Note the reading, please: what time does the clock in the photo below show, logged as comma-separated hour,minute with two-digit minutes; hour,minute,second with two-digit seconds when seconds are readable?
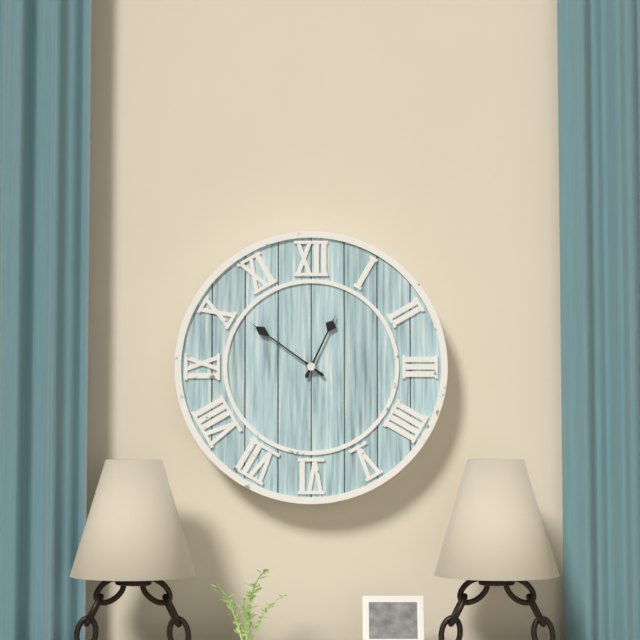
12,51
